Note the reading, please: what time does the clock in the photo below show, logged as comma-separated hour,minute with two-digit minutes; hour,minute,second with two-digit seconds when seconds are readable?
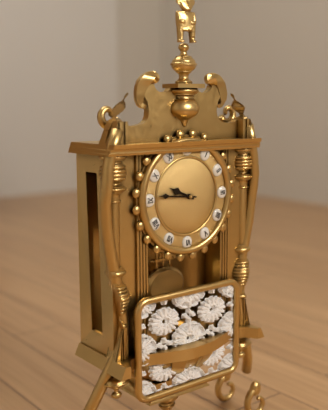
9,46
